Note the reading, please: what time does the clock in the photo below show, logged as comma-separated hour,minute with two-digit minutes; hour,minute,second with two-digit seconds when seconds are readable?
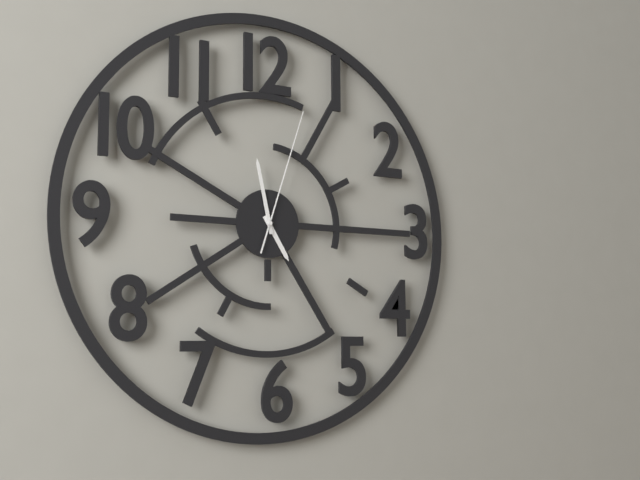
4,58,03
